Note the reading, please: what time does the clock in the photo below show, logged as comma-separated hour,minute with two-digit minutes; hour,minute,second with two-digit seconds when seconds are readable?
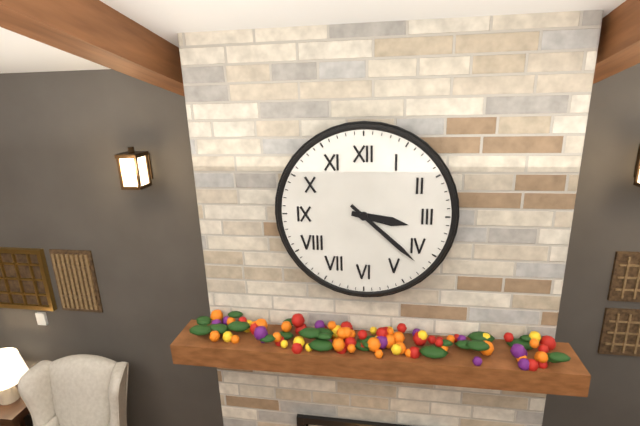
3,22
